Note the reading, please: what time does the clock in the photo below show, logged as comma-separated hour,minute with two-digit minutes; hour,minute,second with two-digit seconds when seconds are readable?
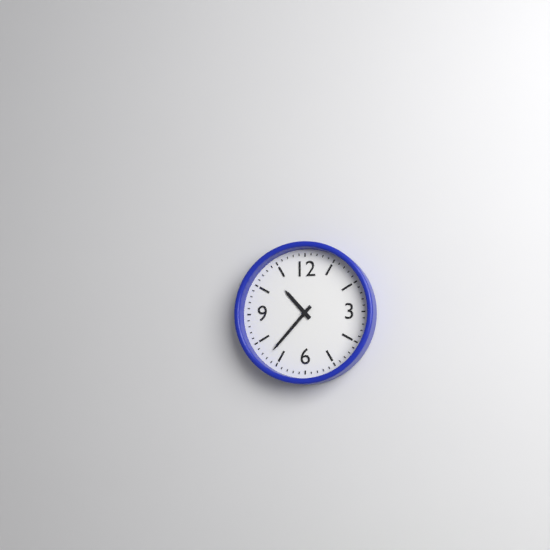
10,37
